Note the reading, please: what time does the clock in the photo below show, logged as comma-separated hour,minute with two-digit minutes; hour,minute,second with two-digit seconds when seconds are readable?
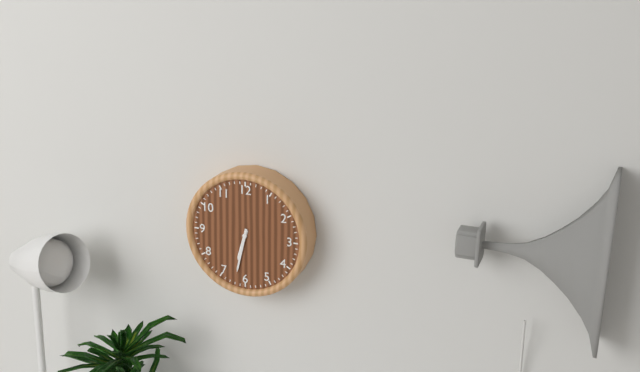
6,32
